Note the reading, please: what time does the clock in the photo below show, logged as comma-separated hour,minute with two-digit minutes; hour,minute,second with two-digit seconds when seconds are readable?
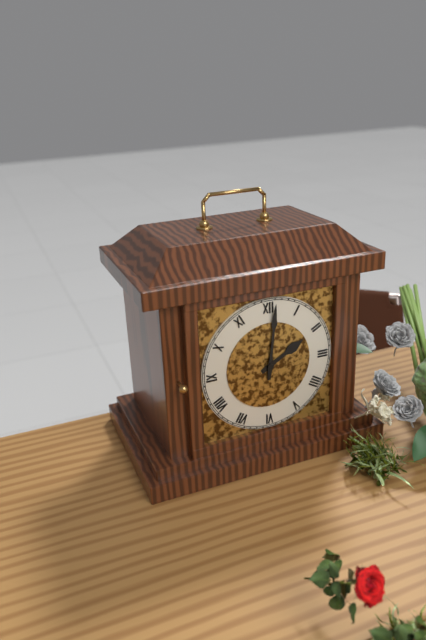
2,01
